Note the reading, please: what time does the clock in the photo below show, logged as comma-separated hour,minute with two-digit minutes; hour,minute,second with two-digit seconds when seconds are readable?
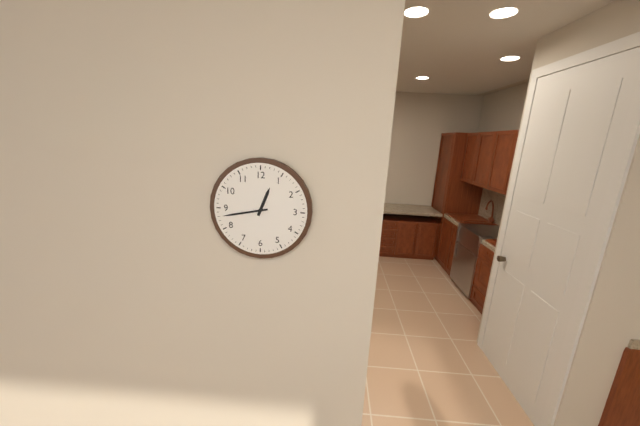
12,43
